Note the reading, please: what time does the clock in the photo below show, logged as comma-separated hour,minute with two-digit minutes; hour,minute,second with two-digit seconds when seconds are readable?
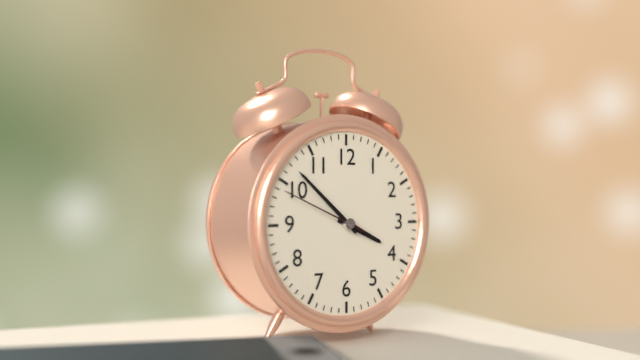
3,52,49
